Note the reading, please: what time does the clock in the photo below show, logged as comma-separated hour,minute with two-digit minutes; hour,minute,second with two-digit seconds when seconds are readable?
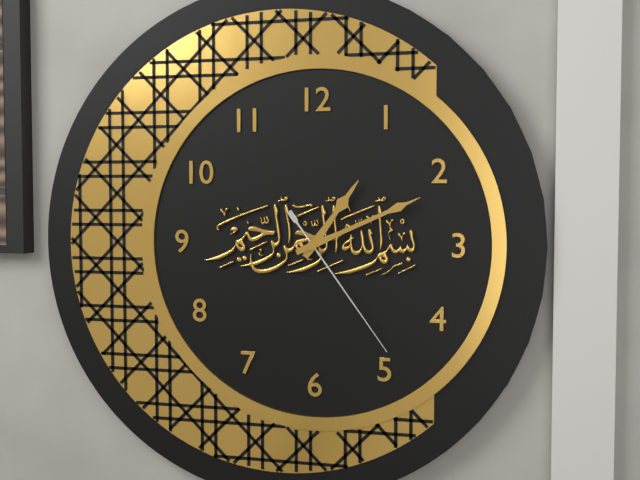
1,11,24
